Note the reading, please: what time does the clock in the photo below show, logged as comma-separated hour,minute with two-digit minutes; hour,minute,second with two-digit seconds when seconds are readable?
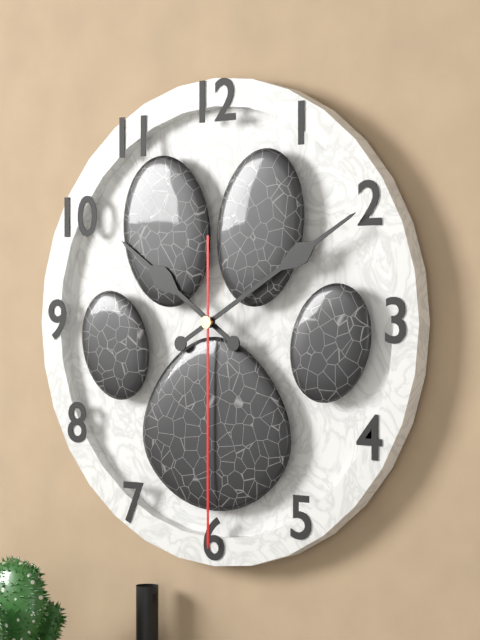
10,10,30
